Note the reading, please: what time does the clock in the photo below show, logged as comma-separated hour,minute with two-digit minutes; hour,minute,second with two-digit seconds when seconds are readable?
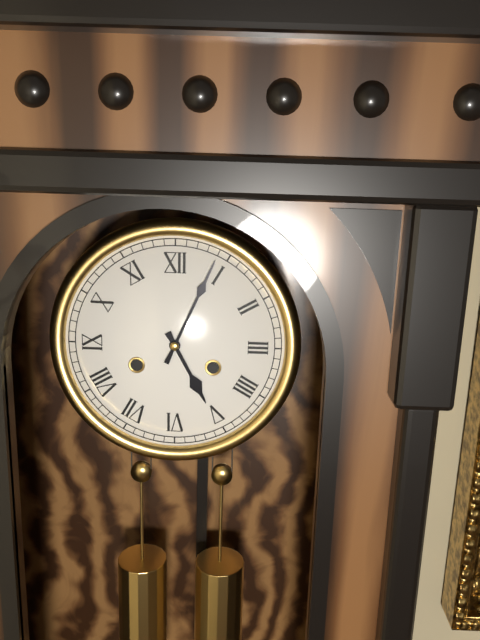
5,04
